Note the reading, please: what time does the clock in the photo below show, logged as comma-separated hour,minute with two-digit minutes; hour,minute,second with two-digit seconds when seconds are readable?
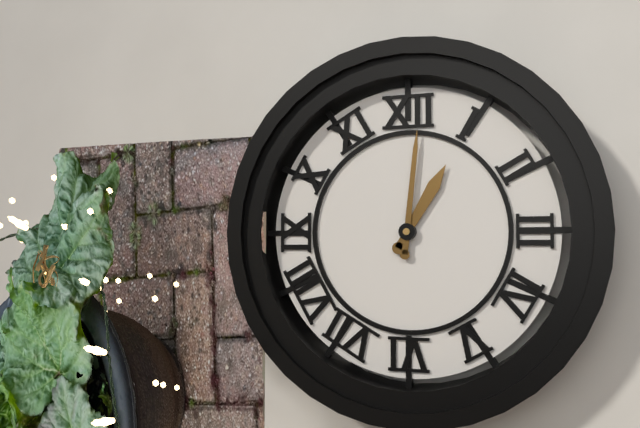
1,01
